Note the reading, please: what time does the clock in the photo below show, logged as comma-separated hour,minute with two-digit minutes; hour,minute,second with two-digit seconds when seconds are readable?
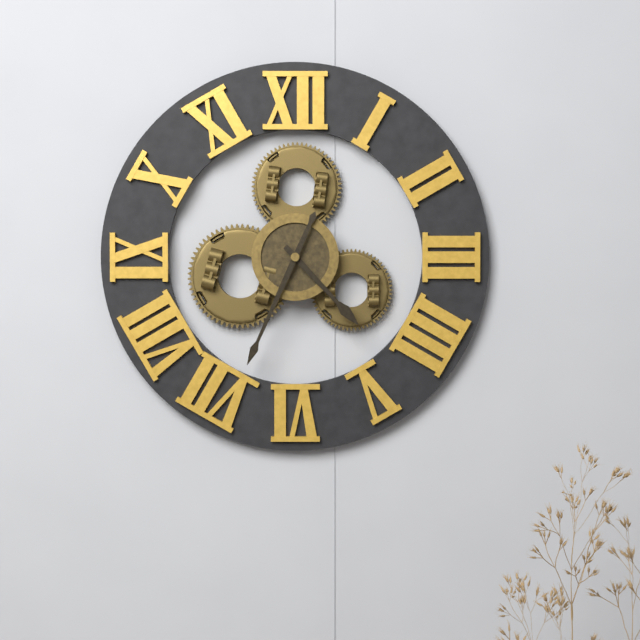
4,34
